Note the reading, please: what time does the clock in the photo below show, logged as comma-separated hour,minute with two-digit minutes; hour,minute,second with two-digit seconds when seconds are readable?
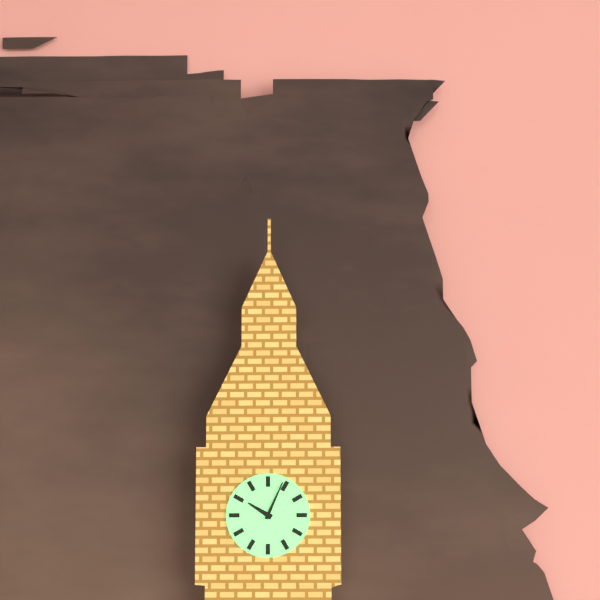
10,04
